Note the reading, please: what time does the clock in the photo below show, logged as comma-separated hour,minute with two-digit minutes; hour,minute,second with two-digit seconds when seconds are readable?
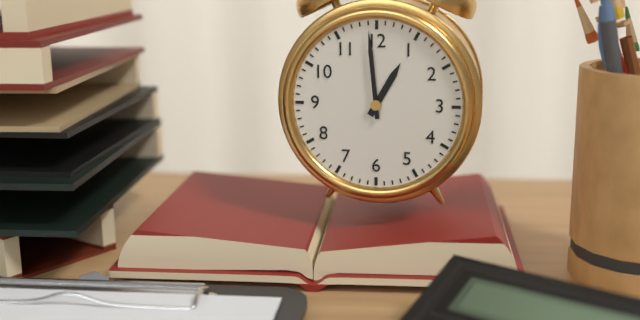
12,59
